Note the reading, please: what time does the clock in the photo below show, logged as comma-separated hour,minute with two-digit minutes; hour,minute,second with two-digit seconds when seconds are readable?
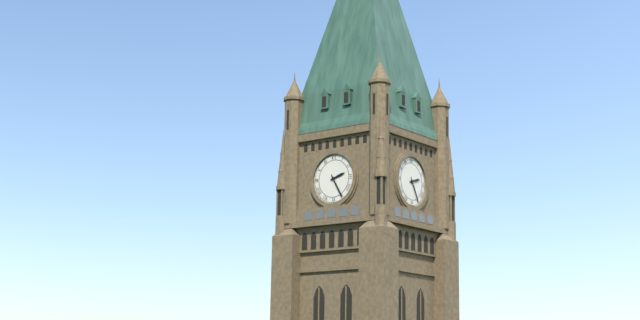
2,25
